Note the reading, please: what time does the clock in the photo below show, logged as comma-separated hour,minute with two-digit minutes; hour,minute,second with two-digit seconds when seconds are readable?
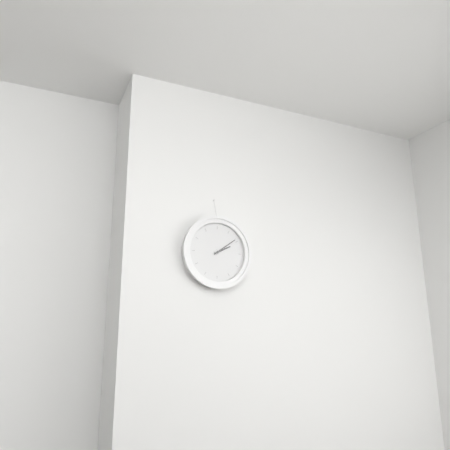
2,09
